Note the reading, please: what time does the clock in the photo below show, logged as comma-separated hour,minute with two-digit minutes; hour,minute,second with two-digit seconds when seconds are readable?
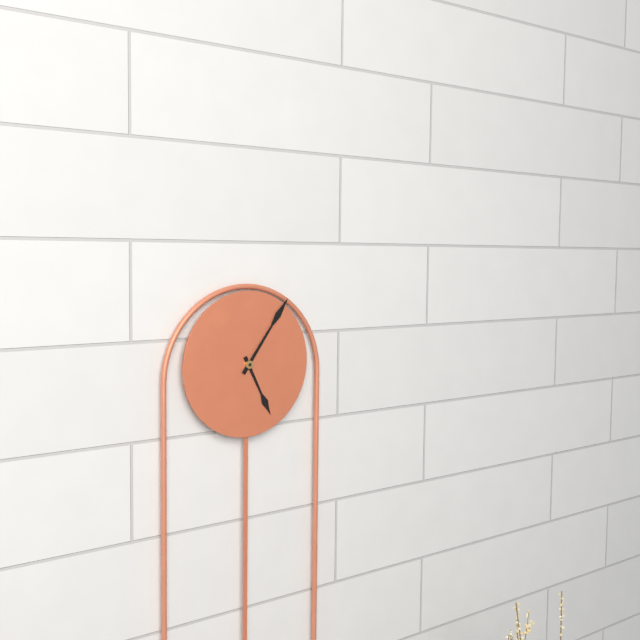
5,06
